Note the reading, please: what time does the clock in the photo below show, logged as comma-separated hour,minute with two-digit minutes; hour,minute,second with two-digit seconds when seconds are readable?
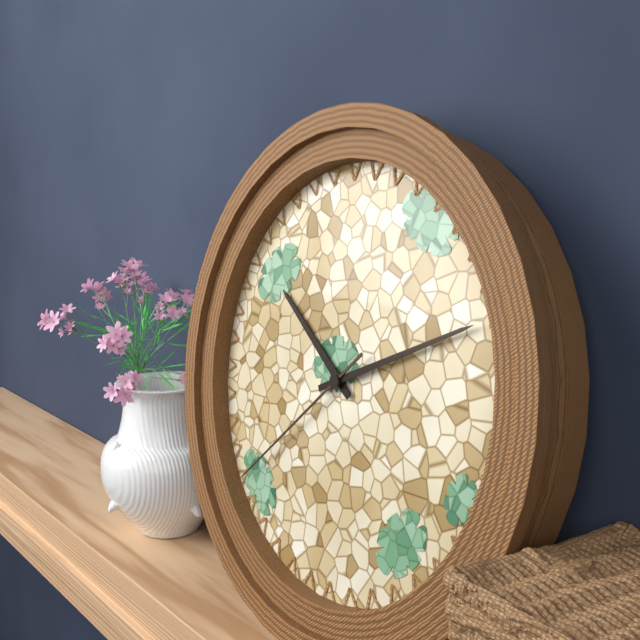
10,11,38
